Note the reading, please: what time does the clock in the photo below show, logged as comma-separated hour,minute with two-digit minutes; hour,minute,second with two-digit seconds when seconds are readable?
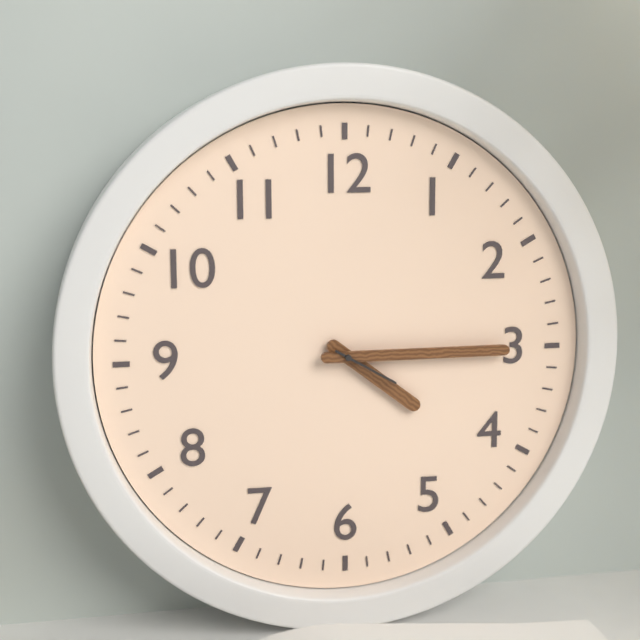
4,15,20
